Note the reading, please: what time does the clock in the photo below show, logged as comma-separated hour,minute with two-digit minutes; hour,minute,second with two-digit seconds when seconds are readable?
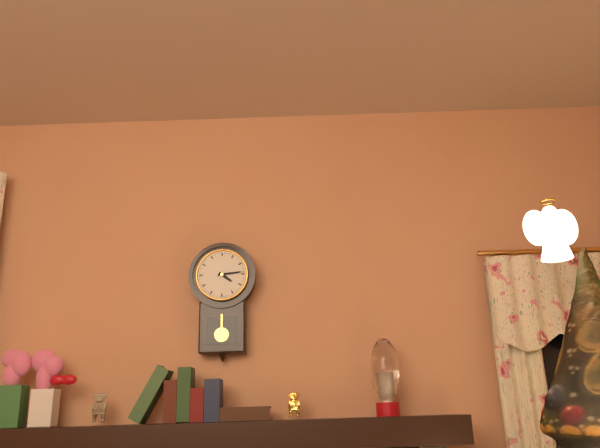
4,14
